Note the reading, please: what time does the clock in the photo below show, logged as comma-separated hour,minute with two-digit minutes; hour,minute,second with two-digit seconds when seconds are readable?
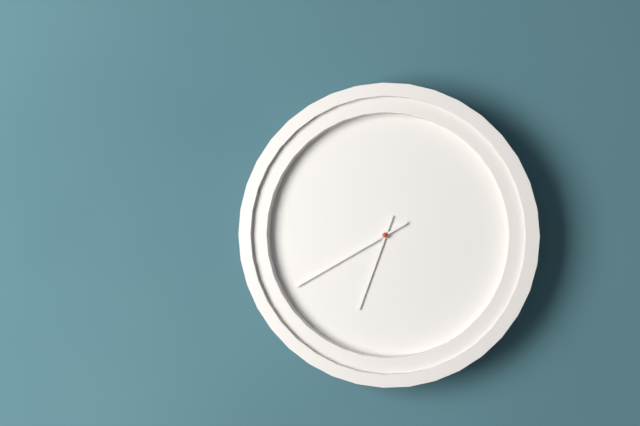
6,40
